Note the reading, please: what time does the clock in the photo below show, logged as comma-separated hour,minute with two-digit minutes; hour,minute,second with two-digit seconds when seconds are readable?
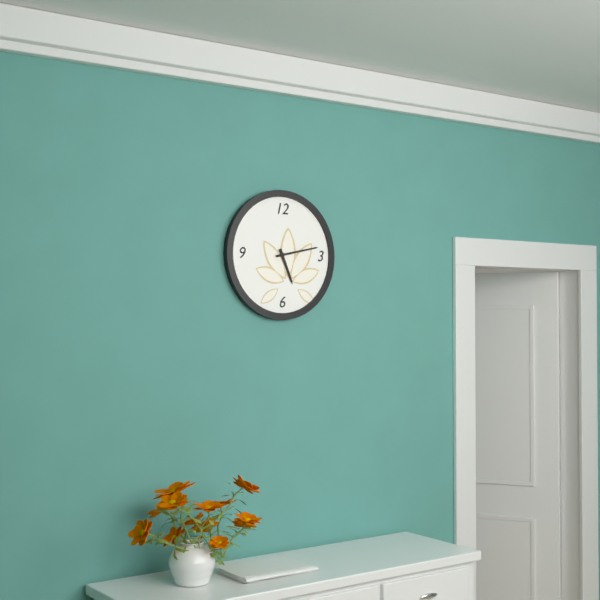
5,13
